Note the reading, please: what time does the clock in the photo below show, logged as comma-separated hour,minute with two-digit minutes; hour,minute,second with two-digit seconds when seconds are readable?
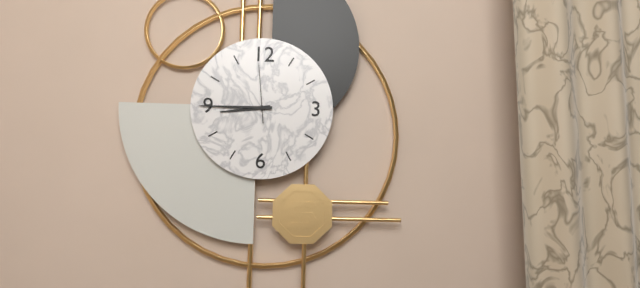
8,45,59
